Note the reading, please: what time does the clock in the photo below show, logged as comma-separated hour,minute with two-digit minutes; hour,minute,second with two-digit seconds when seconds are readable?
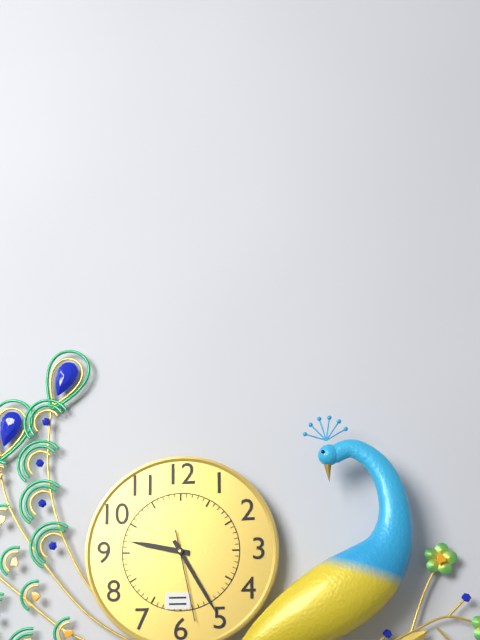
9,25,28
